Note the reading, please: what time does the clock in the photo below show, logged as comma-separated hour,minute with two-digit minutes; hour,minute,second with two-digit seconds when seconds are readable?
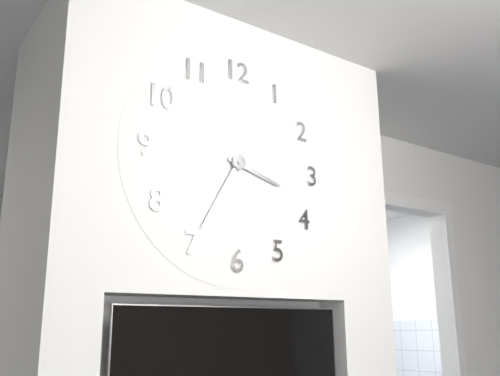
3,35
